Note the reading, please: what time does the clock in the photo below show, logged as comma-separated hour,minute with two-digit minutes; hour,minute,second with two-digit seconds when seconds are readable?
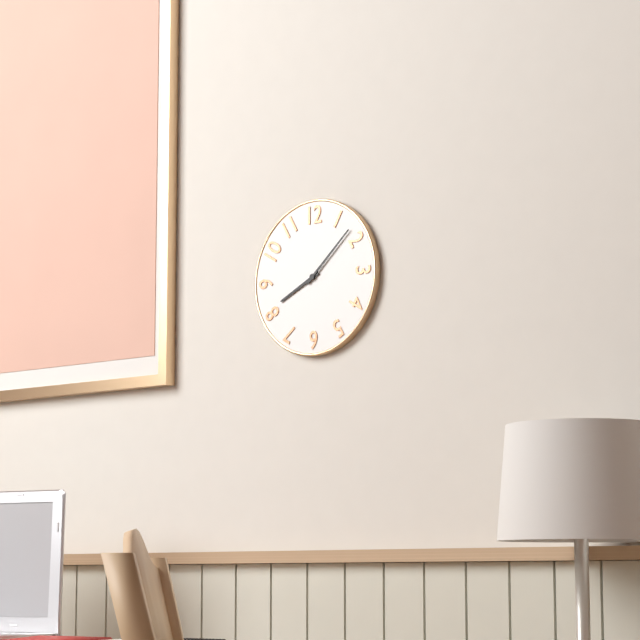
8,08
